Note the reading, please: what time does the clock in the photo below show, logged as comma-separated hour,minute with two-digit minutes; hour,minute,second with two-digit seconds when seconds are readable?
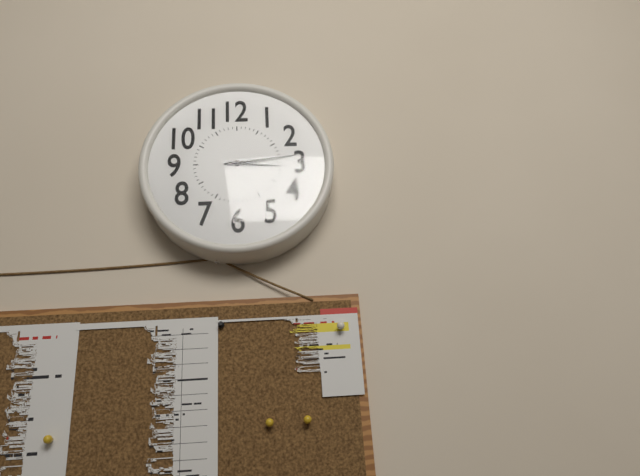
3,14
